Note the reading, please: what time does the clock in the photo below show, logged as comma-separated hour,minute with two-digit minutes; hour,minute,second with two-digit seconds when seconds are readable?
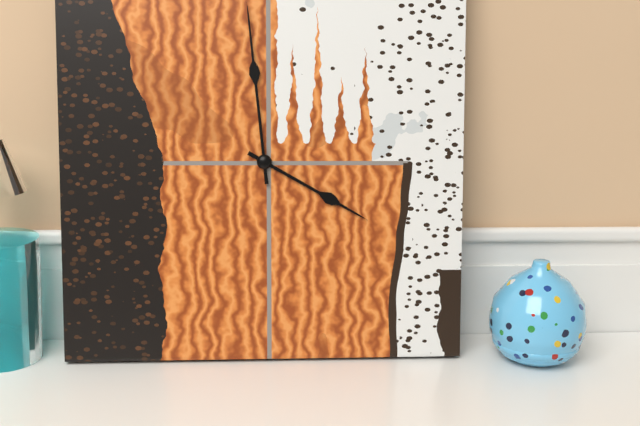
3,59
